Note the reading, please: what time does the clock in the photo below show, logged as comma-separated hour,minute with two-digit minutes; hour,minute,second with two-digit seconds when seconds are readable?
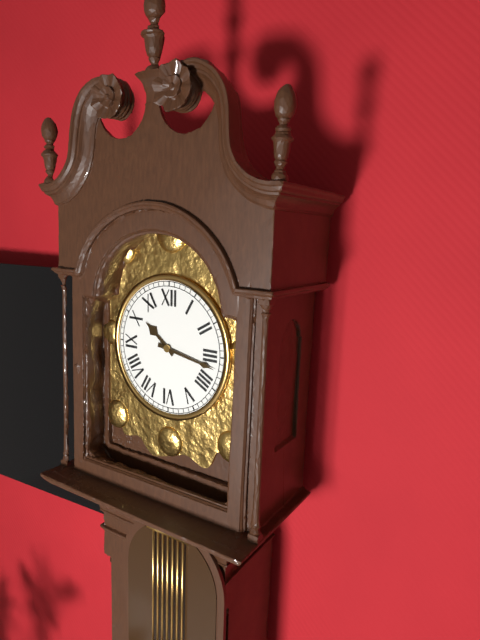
10,17
